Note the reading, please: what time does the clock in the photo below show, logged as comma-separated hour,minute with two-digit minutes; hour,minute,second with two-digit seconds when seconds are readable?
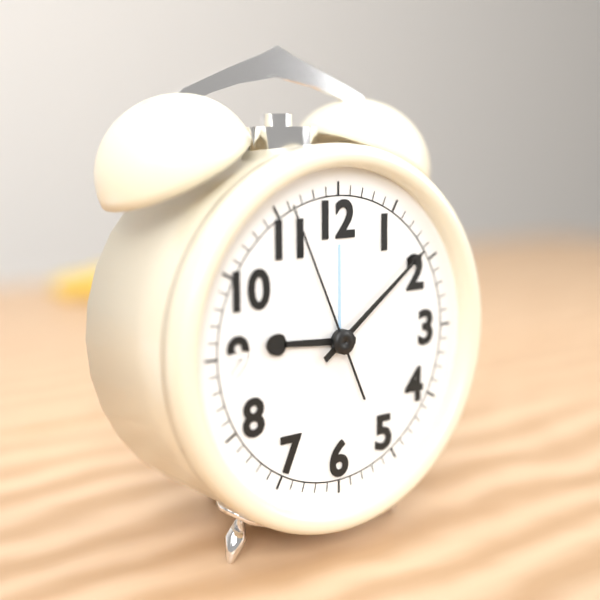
9,09,56
